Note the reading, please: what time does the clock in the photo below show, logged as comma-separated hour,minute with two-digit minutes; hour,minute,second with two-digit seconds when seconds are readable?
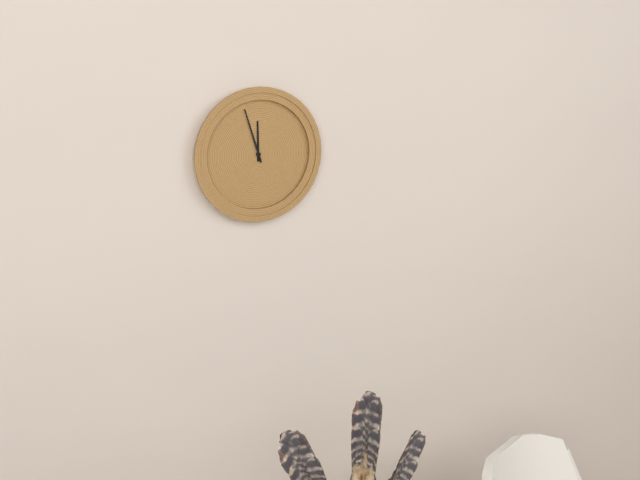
11,57
